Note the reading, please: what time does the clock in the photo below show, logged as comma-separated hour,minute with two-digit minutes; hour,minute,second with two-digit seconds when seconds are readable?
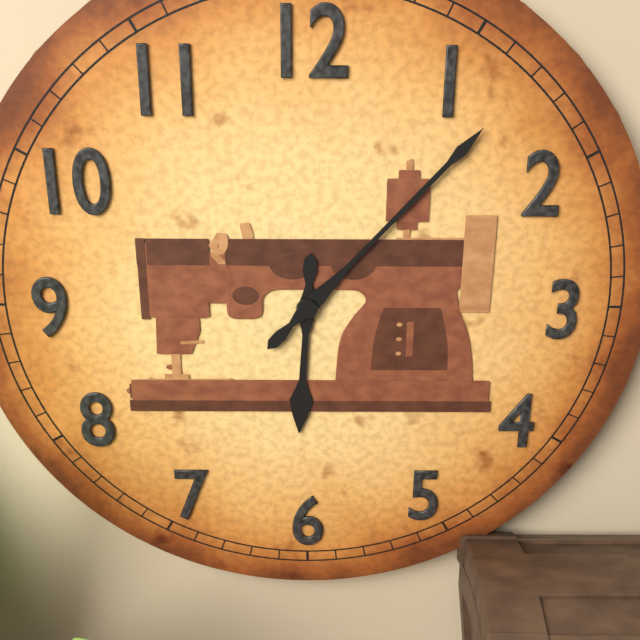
6,07
